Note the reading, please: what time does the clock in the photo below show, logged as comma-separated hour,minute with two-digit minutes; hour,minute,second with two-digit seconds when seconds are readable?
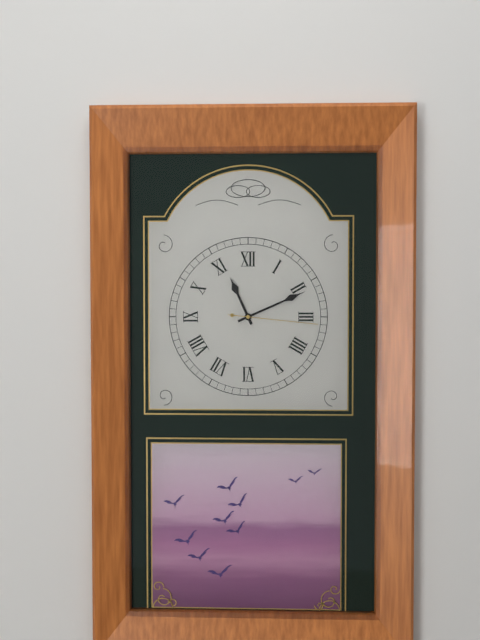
11,11,16
